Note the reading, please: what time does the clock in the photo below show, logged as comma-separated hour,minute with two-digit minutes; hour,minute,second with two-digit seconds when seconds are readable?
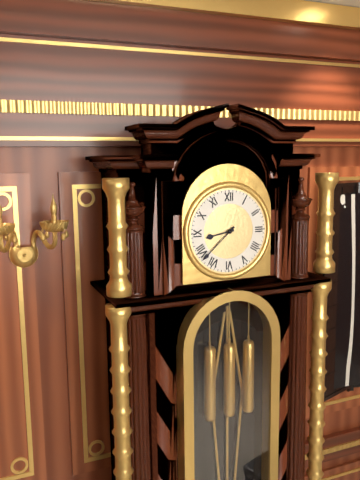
8,38
